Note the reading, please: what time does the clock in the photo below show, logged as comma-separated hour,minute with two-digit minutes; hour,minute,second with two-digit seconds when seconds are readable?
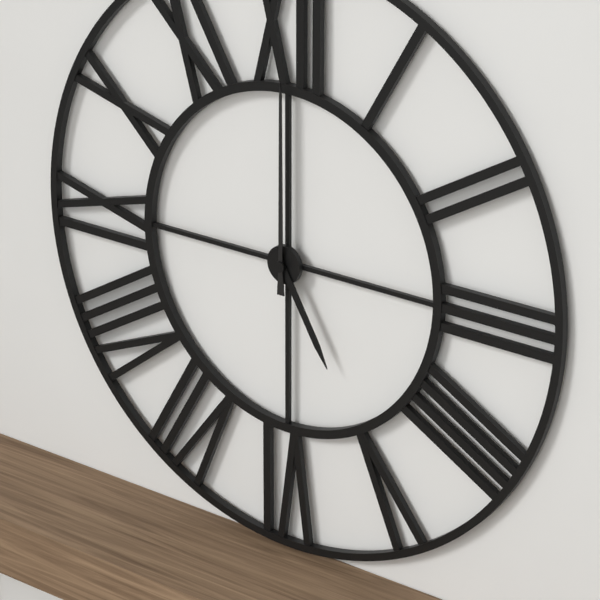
5,00
